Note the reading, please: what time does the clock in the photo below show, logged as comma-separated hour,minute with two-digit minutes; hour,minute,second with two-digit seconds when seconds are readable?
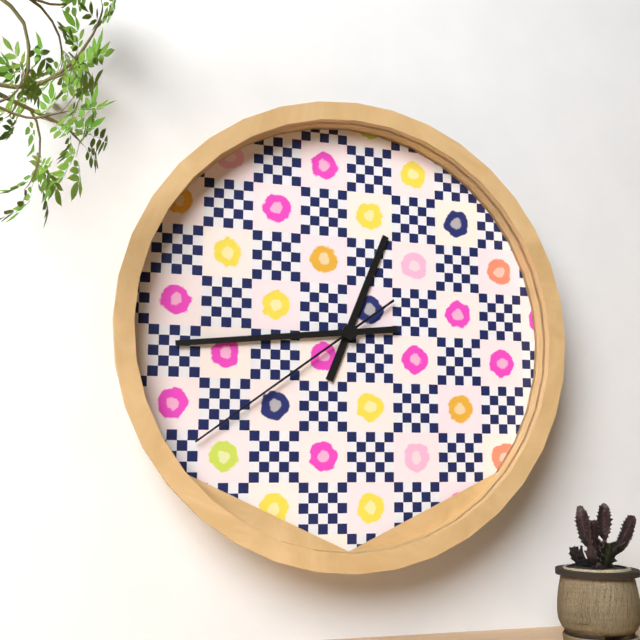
12,44,39
